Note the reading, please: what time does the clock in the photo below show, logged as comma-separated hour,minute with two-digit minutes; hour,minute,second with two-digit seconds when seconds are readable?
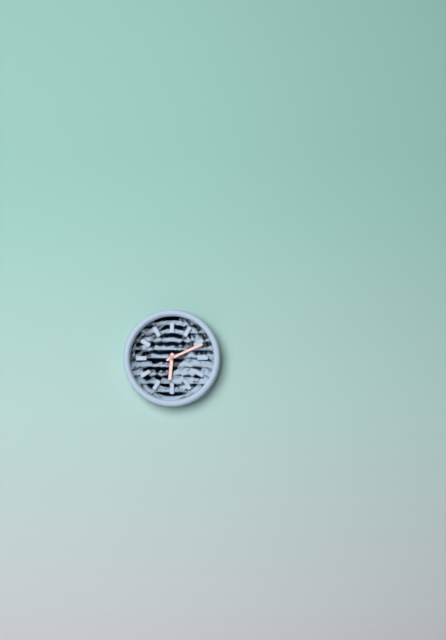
6,11
